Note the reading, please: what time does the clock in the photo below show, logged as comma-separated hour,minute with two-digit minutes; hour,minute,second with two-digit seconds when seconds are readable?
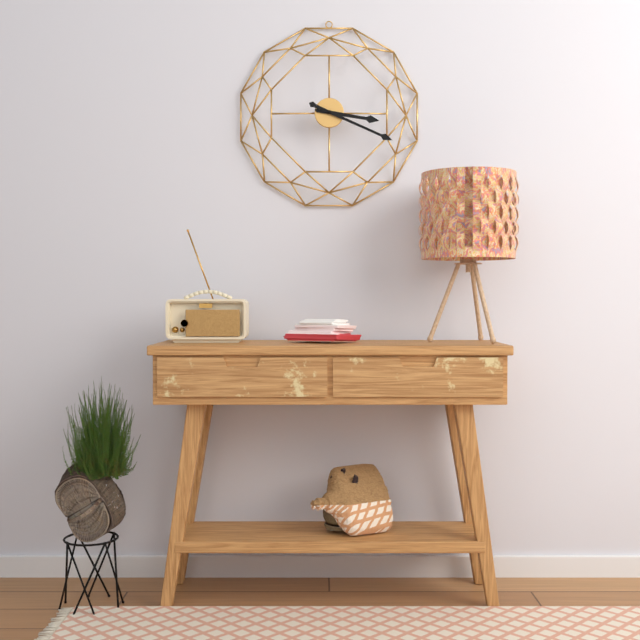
3,19
